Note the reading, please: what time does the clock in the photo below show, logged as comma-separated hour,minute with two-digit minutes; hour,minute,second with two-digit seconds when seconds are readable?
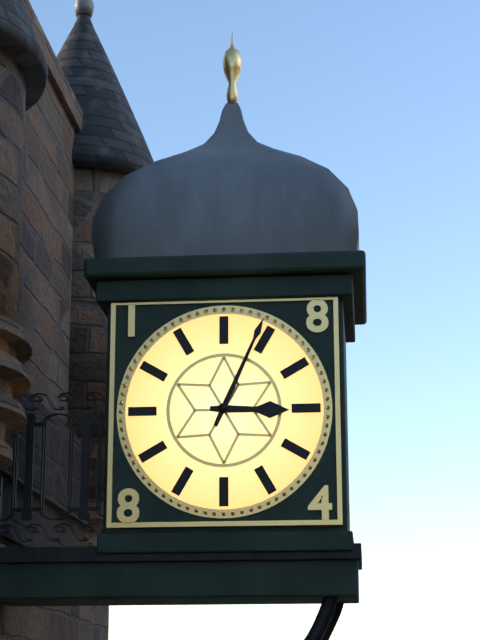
3,04
